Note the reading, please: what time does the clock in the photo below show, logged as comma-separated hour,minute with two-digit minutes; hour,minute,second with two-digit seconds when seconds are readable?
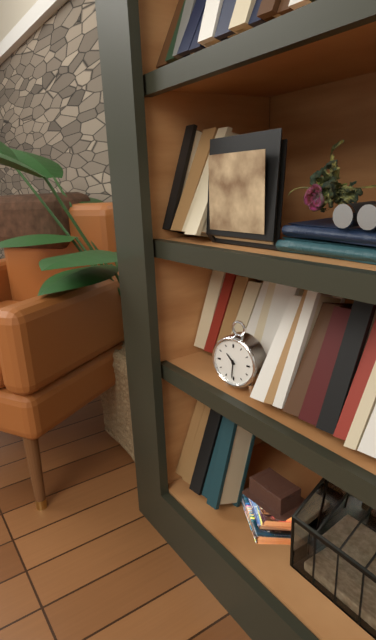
10,31
